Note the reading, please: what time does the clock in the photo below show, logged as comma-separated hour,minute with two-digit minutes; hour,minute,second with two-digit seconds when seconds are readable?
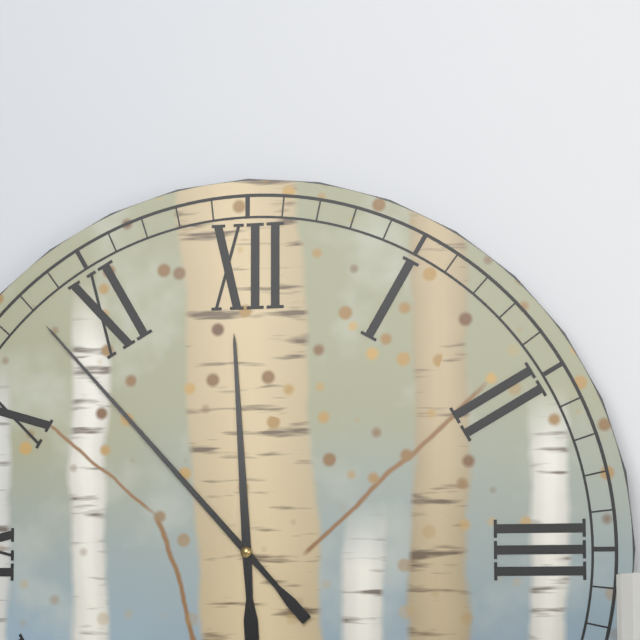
11,53
